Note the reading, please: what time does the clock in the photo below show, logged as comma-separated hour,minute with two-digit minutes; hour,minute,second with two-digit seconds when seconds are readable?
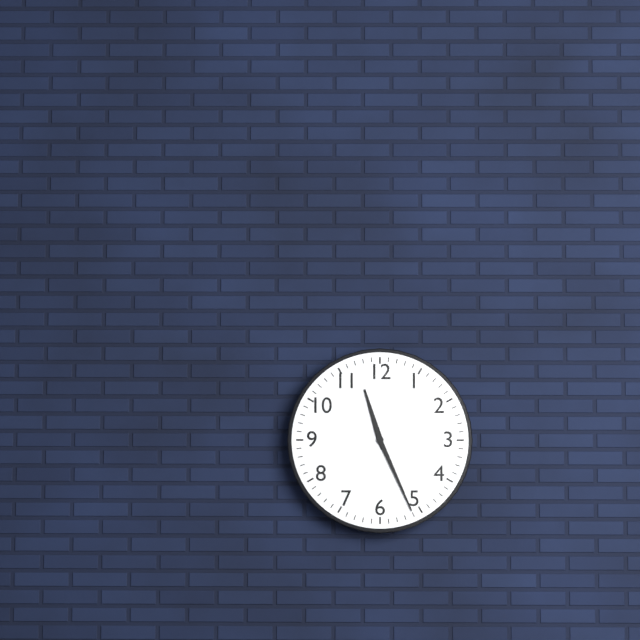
11,26
